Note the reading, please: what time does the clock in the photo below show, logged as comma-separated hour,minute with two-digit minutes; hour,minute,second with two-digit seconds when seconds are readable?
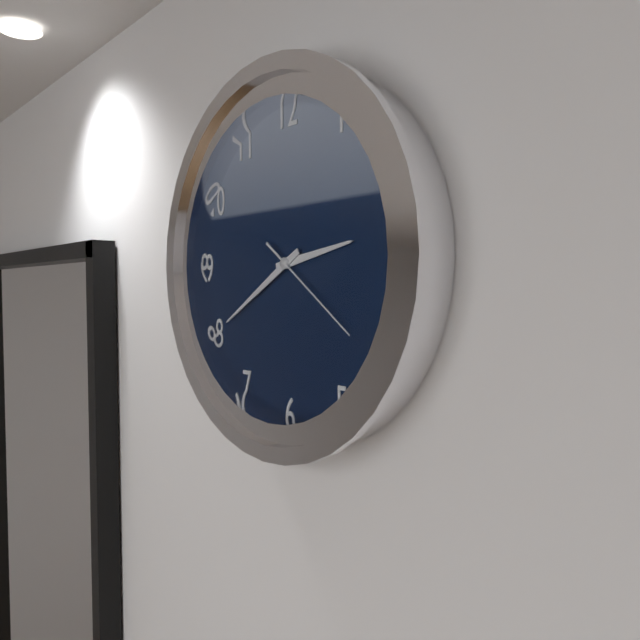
2,40,21
